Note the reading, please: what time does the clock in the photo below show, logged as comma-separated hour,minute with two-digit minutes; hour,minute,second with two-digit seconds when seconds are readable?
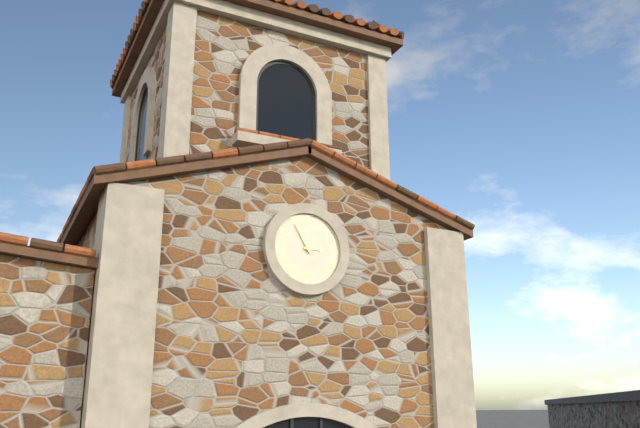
2,55
